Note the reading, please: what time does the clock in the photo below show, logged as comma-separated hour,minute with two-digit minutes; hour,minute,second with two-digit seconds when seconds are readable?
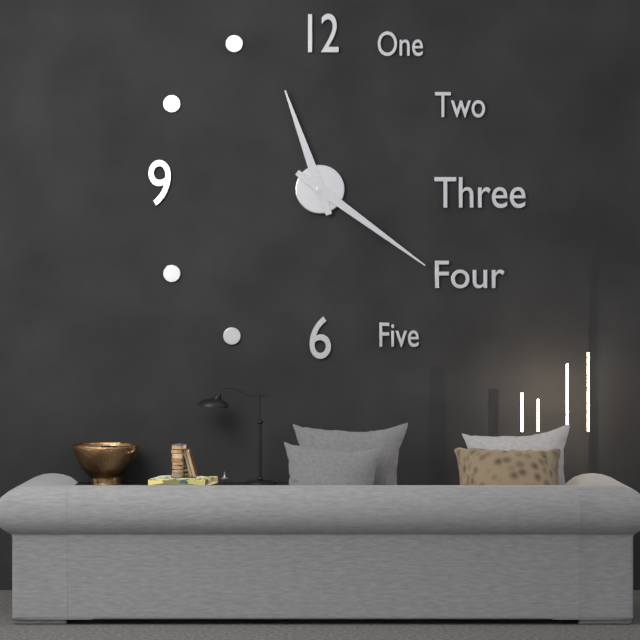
11,21
